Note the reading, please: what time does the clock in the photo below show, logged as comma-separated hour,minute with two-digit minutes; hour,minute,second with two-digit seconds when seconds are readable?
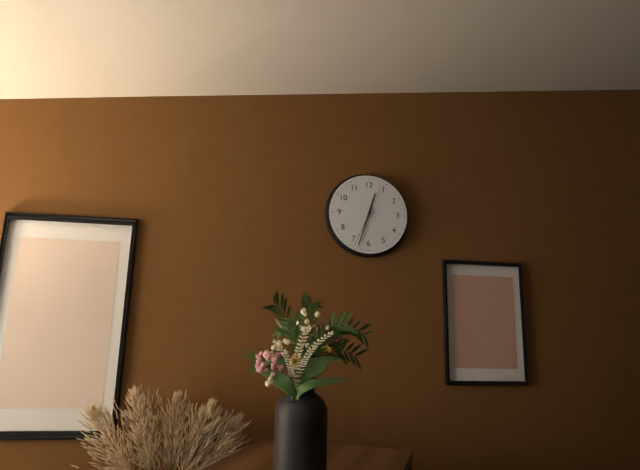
12,33
